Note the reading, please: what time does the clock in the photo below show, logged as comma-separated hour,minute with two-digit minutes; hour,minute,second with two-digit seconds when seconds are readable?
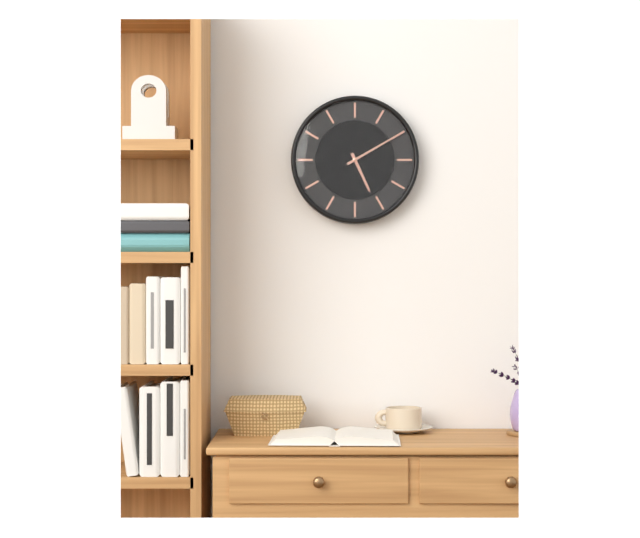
5,10
